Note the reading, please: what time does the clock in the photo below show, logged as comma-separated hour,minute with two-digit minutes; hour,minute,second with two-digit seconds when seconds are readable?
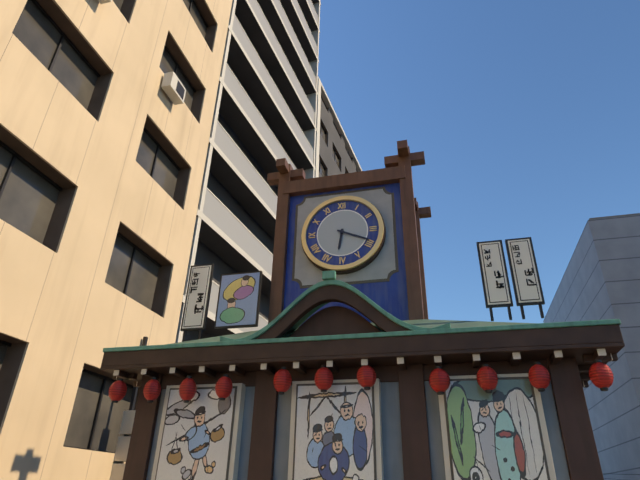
6,19
